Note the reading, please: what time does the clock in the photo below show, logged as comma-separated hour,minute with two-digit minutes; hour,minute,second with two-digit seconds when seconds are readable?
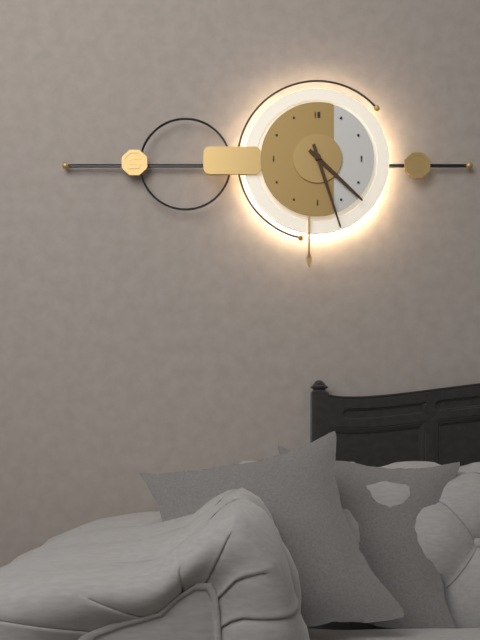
4,27
